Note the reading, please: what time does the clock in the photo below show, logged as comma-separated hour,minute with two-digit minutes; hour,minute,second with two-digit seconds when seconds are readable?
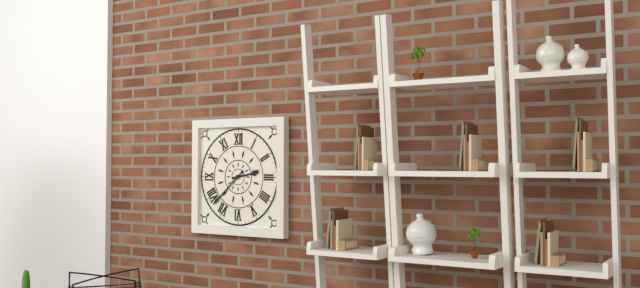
2,38
